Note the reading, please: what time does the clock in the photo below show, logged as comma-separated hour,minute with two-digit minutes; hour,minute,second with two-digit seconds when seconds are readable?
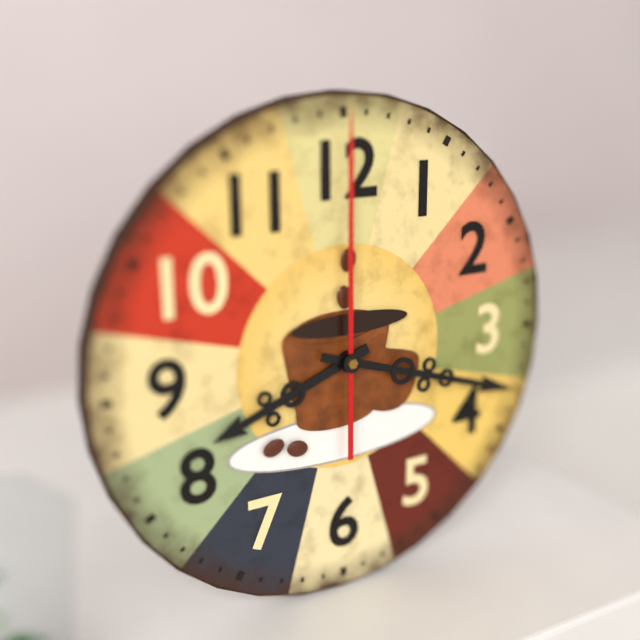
8,18,00
